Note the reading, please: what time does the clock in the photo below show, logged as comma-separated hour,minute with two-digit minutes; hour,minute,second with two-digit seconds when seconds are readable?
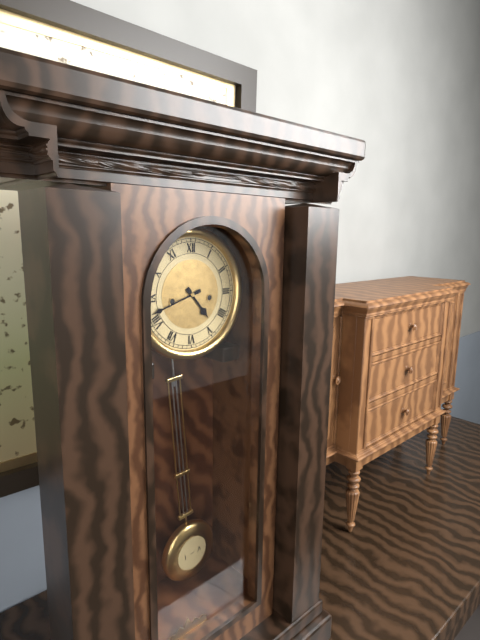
4,42
